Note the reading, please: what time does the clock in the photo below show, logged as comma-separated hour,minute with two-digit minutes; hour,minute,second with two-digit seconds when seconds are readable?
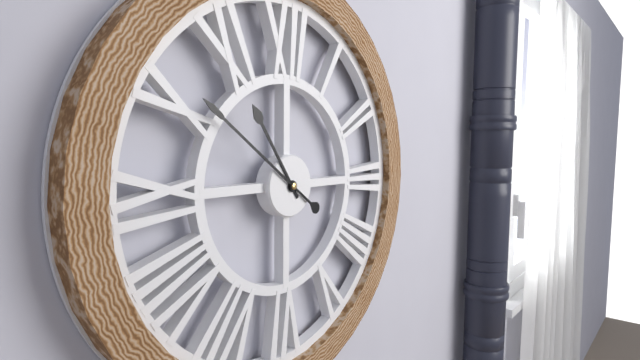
10,51
